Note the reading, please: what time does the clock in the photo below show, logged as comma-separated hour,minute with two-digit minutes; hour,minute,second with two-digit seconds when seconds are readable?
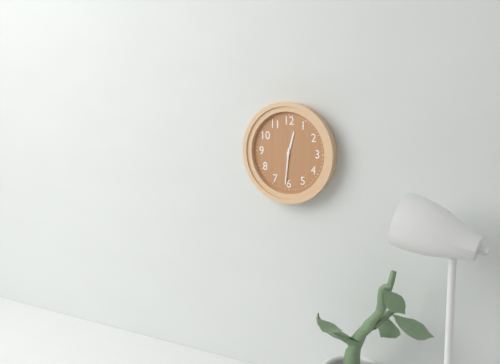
12,31
